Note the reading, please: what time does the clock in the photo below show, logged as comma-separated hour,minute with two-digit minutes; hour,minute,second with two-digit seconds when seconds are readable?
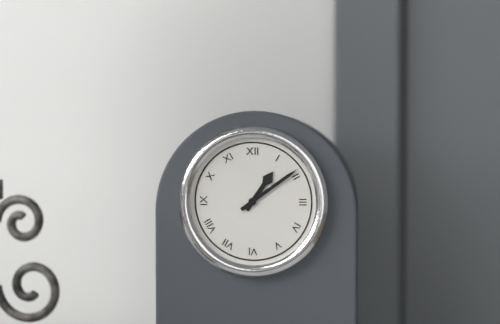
1,09
